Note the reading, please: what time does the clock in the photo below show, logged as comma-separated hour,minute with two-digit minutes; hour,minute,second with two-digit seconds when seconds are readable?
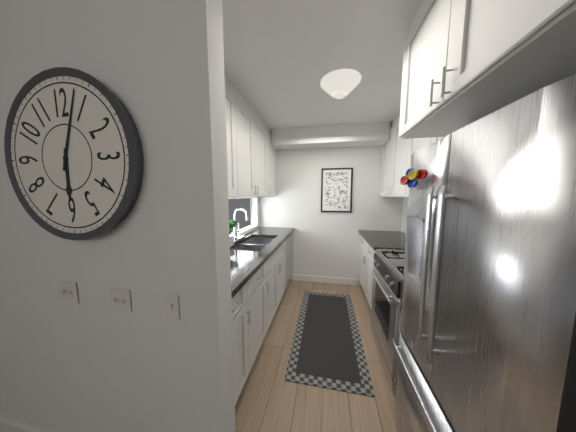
6,03
